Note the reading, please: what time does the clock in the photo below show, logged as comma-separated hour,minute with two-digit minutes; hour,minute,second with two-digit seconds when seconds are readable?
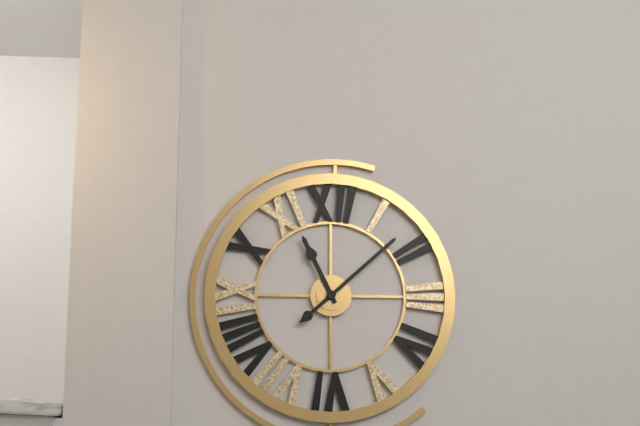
11,08
